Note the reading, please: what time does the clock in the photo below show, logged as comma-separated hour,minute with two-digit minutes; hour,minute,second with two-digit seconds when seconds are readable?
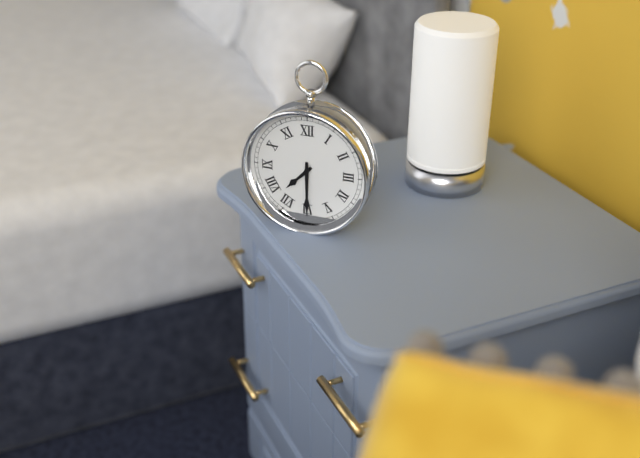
7,30
